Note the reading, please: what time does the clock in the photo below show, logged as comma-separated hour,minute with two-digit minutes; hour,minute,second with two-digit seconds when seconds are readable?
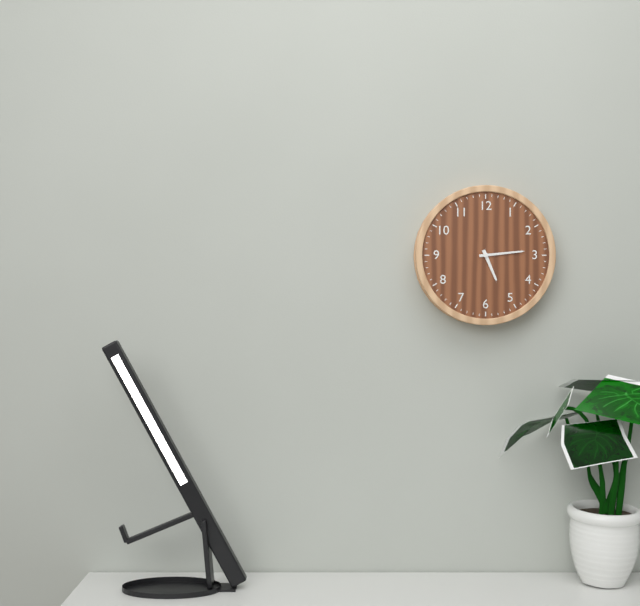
5,14
